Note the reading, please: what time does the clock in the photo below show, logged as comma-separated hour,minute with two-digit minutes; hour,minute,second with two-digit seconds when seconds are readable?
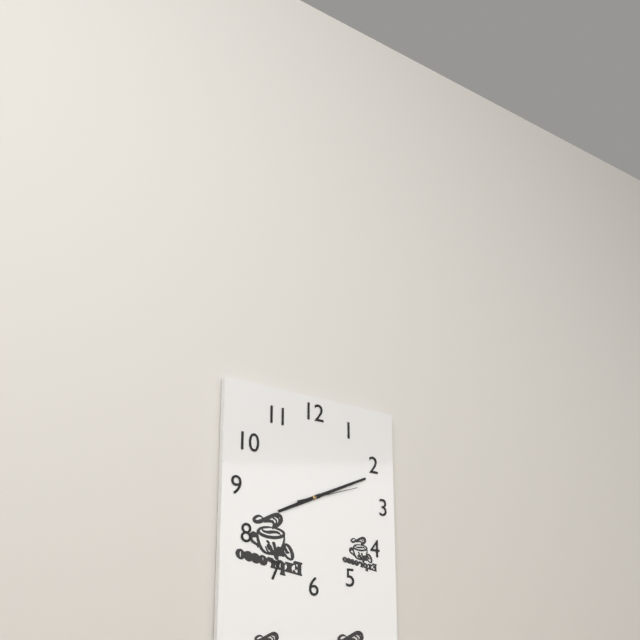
8,11,12
